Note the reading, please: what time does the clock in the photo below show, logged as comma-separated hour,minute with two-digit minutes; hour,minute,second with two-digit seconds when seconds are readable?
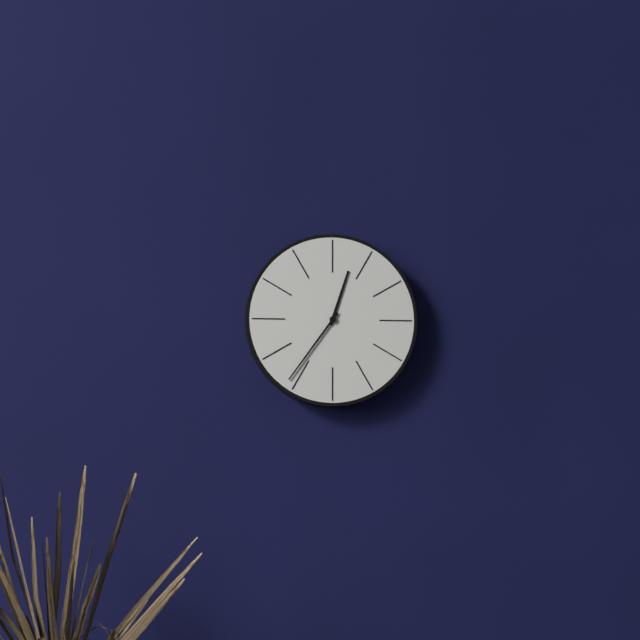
12,36
